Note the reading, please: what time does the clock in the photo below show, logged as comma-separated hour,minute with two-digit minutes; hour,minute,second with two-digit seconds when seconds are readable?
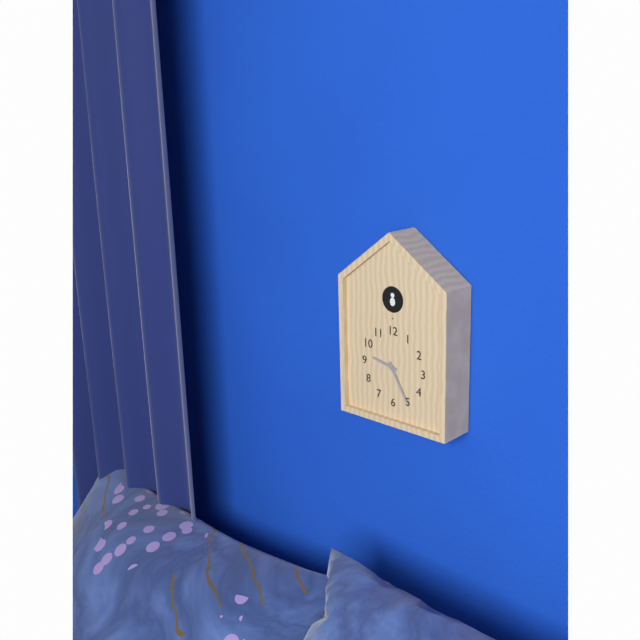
9,25
